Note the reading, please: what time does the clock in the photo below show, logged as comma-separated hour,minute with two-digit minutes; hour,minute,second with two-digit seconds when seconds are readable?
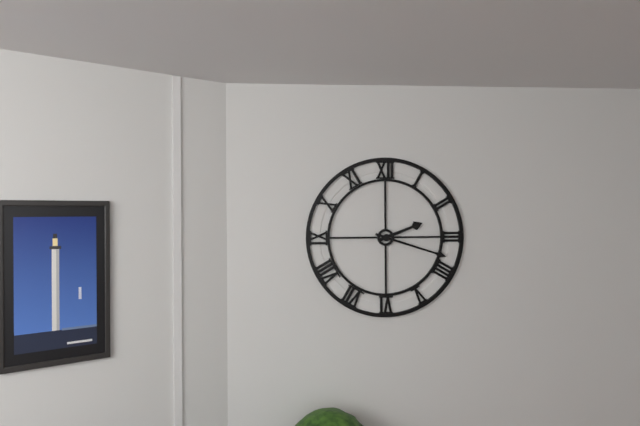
2,18
